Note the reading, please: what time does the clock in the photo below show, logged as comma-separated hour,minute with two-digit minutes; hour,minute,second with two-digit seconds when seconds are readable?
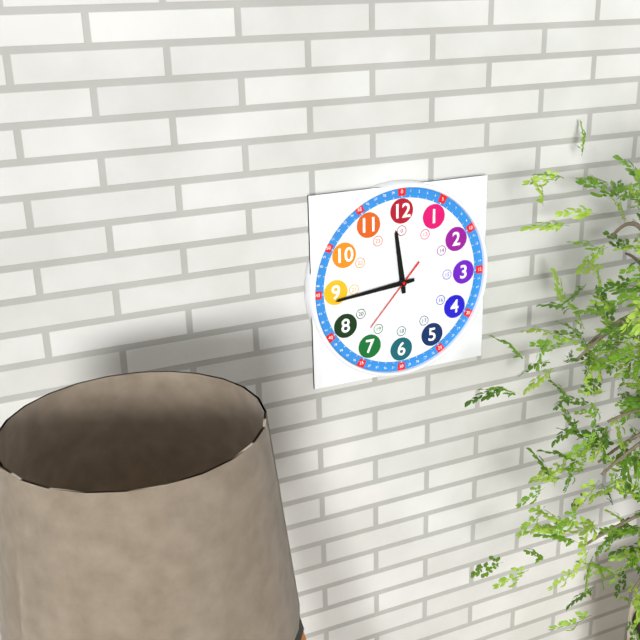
11,44,37
